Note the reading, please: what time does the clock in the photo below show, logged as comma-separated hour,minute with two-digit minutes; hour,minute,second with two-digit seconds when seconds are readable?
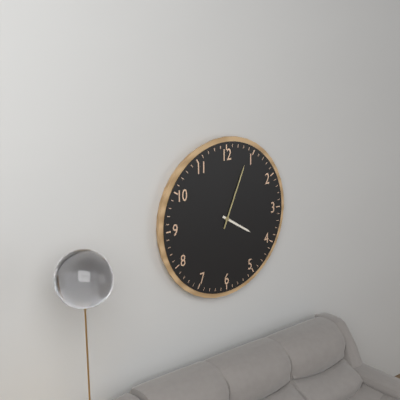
4,04
